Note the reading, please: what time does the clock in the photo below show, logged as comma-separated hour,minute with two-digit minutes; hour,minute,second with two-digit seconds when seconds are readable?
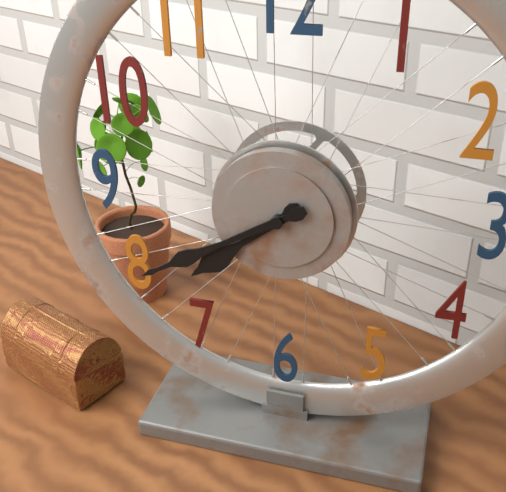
7,40
